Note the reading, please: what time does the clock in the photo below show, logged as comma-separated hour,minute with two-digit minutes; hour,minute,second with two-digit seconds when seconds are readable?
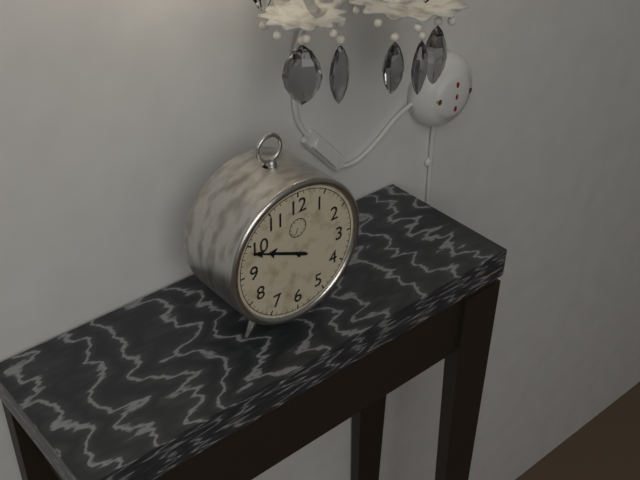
9,49
